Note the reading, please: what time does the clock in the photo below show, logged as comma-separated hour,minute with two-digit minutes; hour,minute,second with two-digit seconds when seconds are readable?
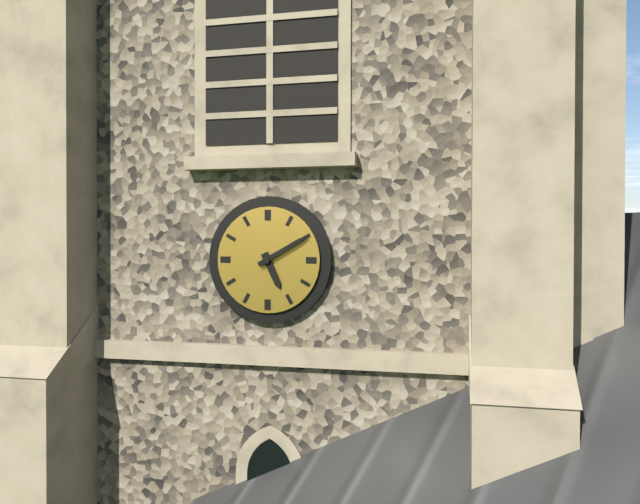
5,10
